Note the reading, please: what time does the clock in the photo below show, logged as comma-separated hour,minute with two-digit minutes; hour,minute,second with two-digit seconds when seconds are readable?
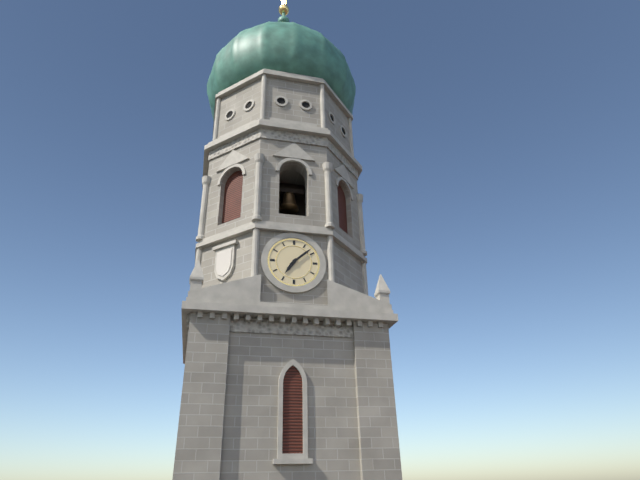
7,08
